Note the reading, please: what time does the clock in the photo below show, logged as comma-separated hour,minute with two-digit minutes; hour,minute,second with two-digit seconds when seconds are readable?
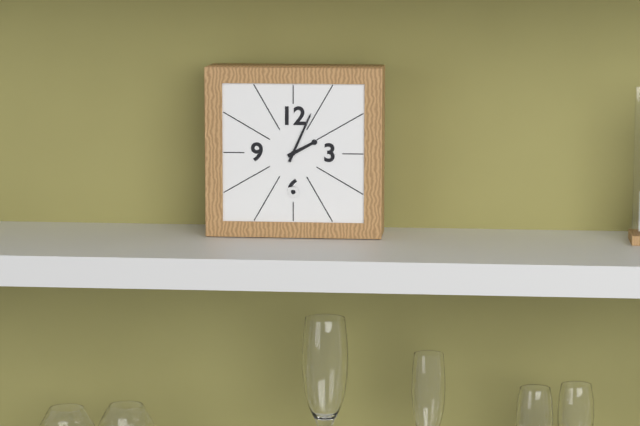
2,04
